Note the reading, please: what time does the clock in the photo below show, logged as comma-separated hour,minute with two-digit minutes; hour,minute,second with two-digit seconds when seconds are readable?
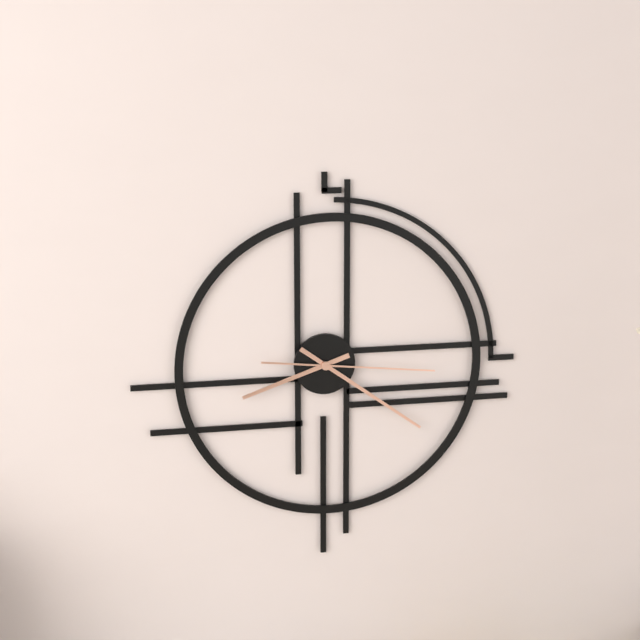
8,21,16
